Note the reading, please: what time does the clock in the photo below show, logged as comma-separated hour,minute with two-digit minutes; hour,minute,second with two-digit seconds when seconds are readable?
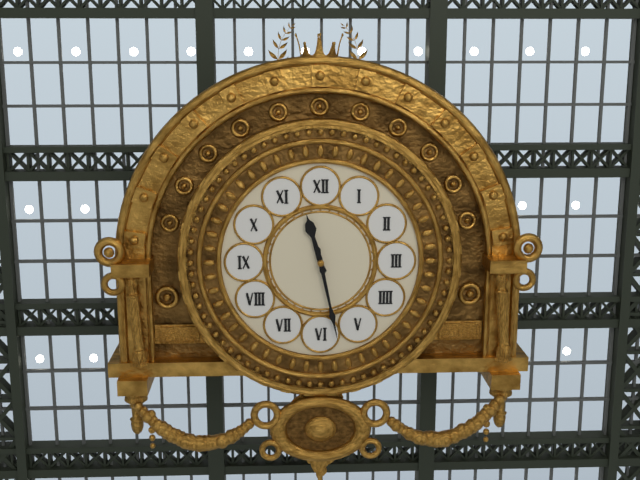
11,28
